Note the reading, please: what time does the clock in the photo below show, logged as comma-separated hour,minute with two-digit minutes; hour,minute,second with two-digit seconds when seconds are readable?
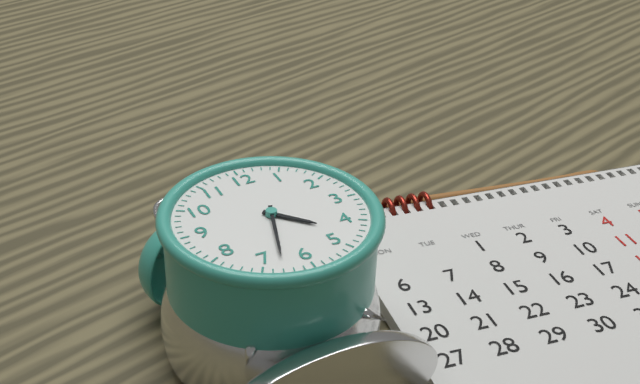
4,33
